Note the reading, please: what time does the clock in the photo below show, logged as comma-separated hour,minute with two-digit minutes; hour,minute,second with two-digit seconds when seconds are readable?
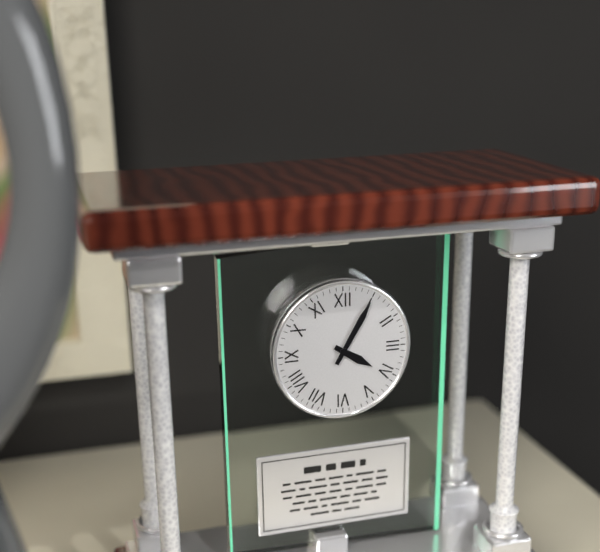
4,05
